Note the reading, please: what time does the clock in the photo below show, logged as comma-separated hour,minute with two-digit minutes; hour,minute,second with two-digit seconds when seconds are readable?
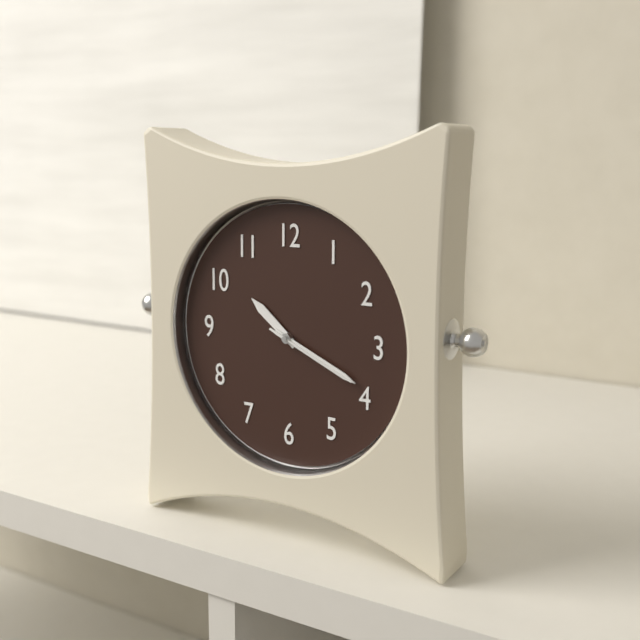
10,19,19
